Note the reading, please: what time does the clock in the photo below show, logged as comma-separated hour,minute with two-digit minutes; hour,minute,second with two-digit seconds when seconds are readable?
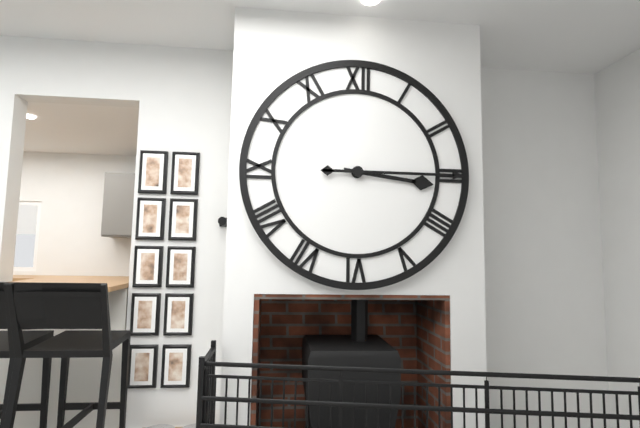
3,15
